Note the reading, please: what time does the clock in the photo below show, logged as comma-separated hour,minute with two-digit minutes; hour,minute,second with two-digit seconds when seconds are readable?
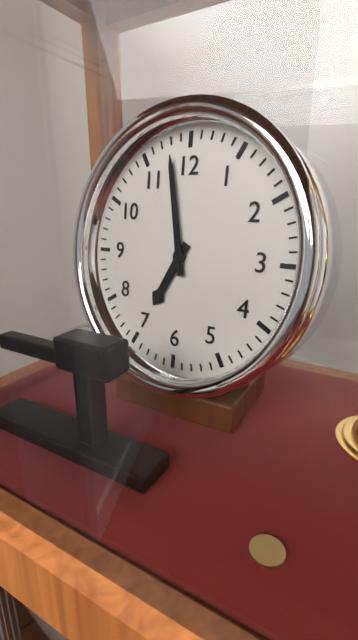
6,58
